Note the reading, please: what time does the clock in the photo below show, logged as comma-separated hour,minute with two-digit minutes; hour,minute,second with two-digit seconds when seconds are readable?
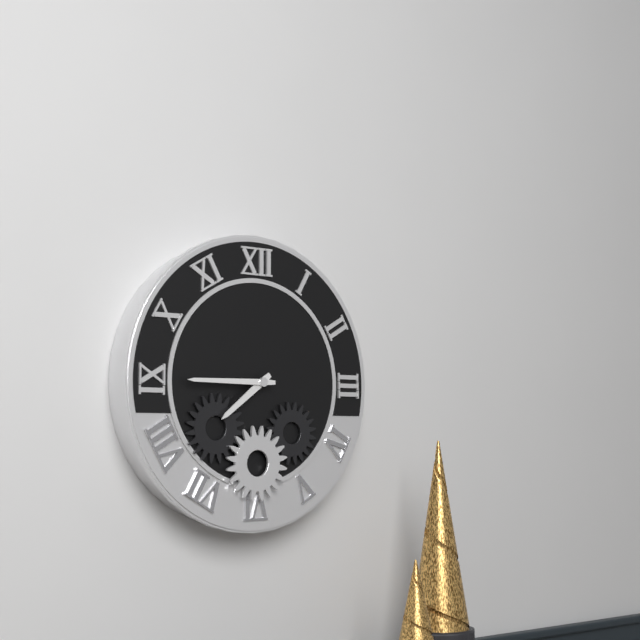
7,45
